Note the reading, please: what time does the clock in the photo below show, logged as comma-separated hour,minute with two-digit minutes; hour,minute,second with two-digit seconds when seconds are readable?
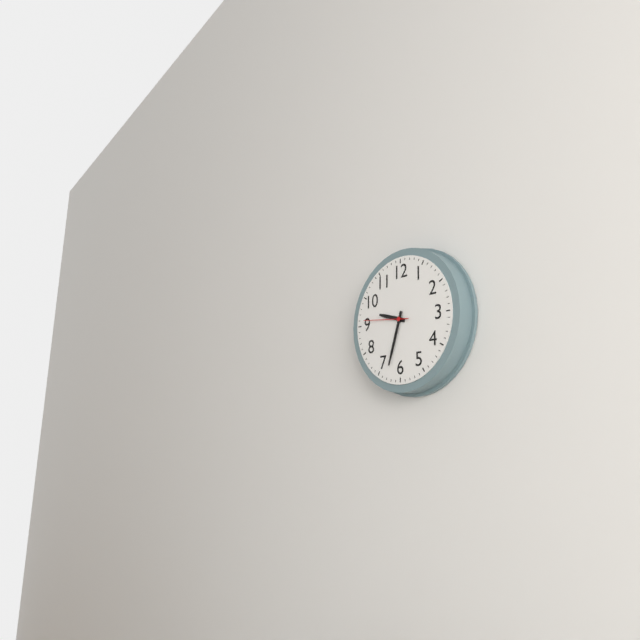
9,33
